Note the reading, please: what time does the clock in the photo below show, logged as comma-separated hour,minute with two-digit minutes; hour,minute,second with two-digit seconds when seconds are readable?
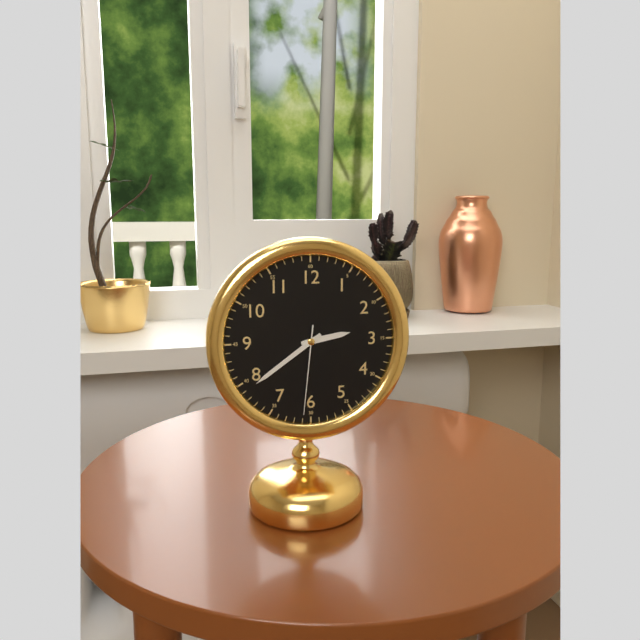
2,39,31
